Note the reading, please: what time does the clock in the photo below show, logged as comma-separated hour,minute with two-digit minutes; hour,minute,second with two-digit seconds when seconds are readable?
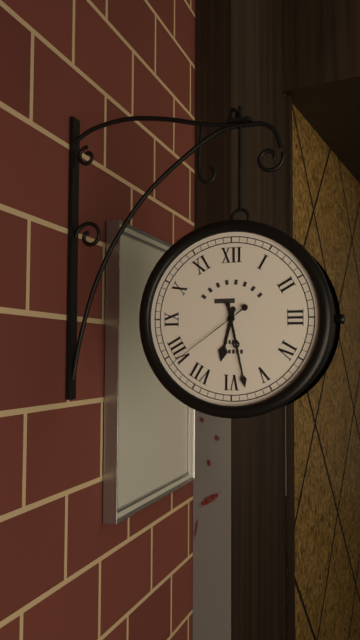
6,28,39
